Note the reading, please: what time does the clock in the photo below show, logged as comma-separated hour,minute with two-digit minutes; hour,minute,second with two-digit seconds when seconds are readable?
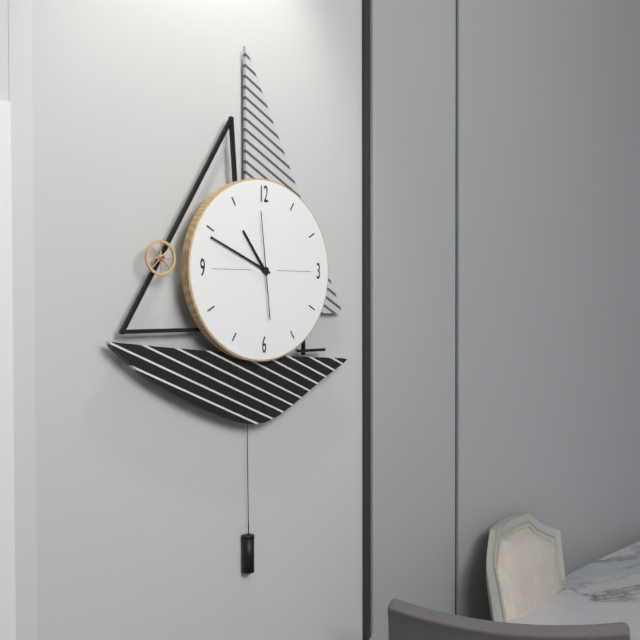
10,49,59
